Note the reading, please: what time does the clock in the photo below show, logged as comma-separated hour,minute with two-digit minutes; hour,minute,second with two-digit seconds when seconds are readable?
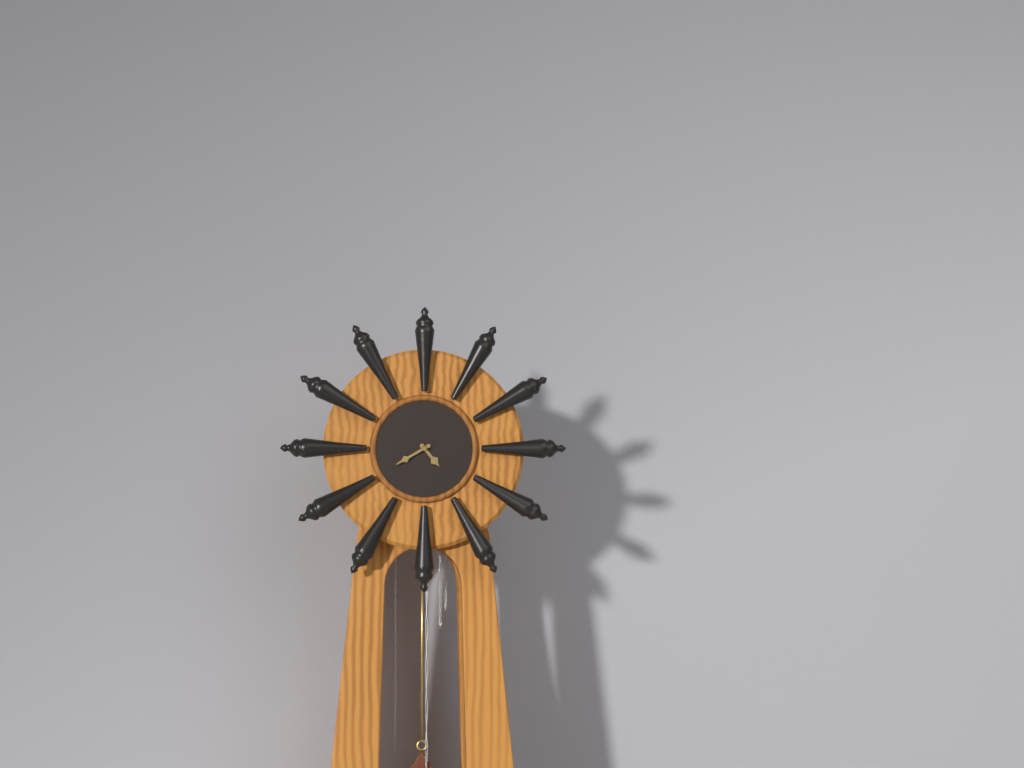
4,40
